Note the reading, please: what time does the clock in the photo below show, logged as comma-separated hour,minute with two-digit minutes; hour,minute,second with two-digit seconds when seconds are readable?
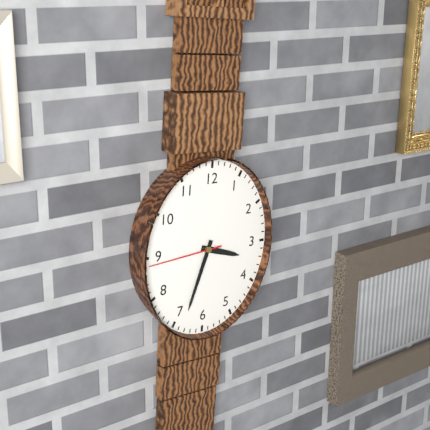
3,33,44
